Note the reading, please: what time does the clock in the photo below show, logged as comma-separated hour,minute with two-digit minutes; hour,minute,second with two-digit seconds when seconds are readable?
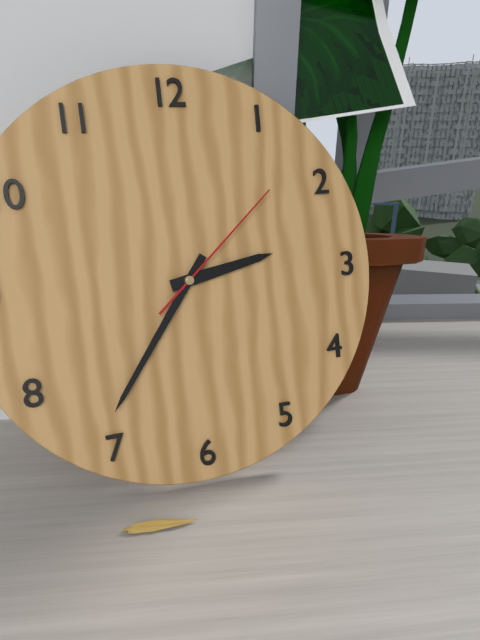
2,36,08
